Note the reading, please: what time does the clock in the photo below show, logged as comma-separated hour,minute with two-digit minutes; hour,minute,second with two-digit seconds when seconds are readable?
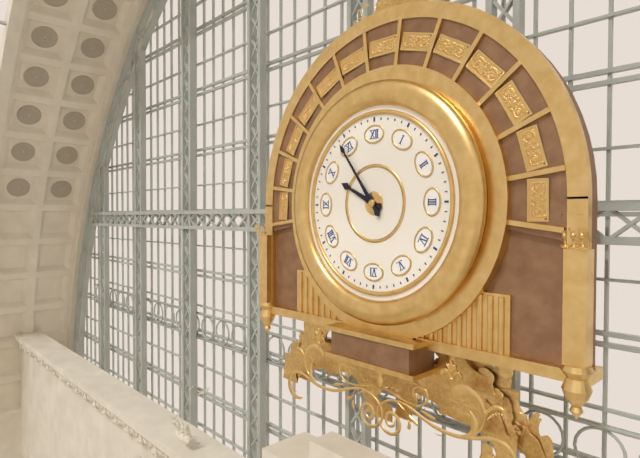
9,54
